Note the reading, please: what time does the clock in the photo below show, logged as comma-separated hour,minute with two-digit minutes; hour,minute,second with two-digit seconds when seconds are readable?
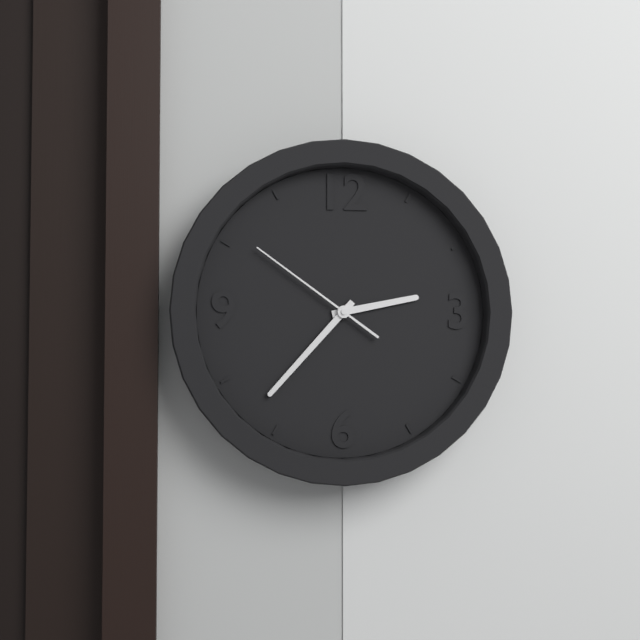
2,37,51
